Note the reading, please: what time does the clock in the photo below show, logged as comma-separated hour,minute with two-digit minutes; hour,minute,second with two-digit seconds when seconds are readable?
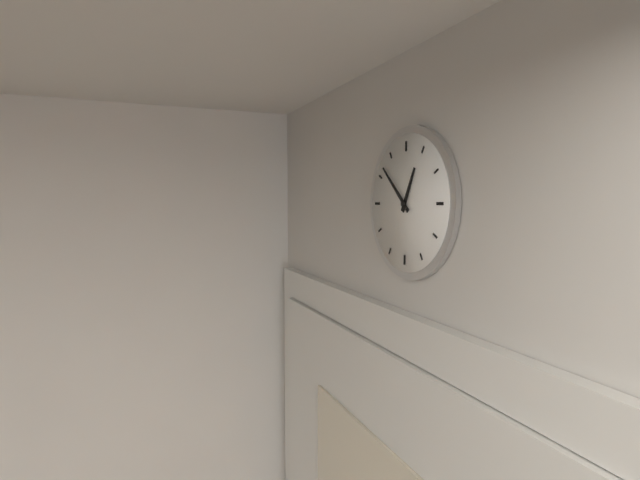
12,52
